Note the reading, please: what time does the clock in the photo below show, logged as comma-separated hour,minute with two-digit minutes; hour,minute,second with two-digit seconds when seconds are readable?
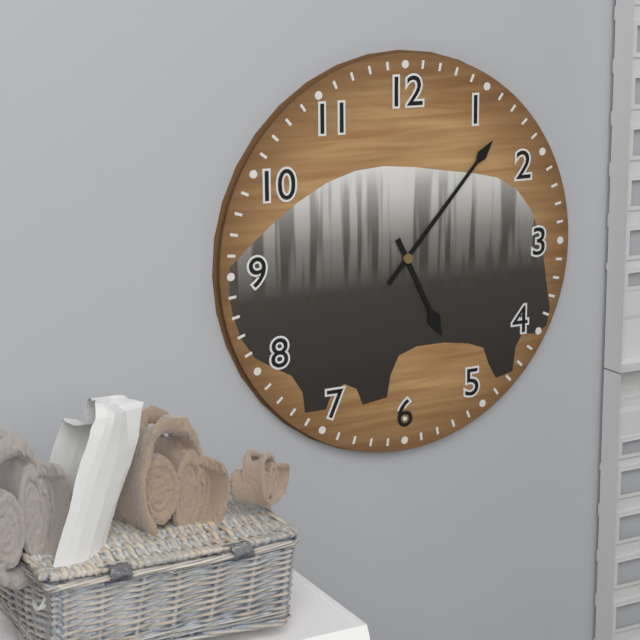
5,07
